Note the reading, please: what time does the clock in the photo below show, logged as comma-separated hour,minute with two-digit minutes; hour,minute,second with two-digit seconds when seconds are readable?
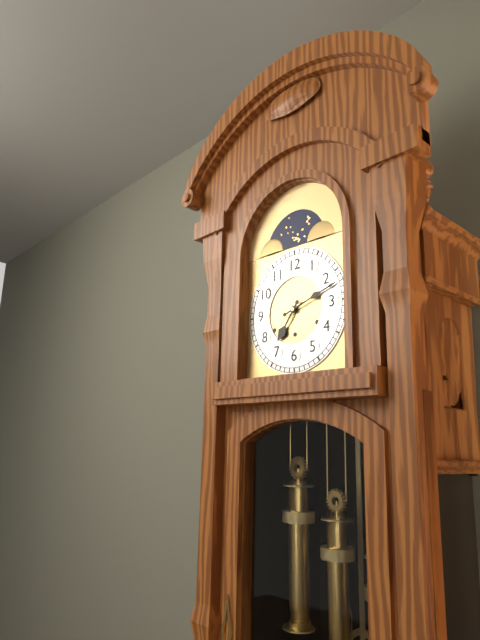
7,12
